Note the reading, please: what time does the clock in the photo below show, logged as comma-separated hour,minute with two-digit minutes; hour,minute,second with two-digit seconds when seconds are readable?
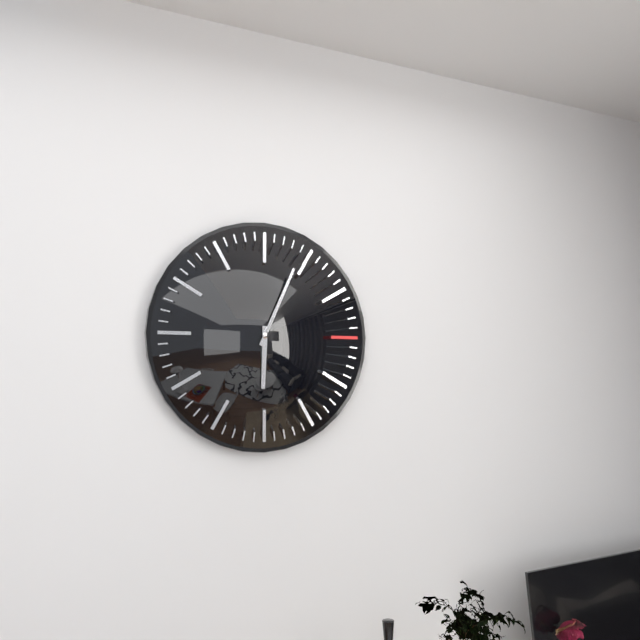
6,04
